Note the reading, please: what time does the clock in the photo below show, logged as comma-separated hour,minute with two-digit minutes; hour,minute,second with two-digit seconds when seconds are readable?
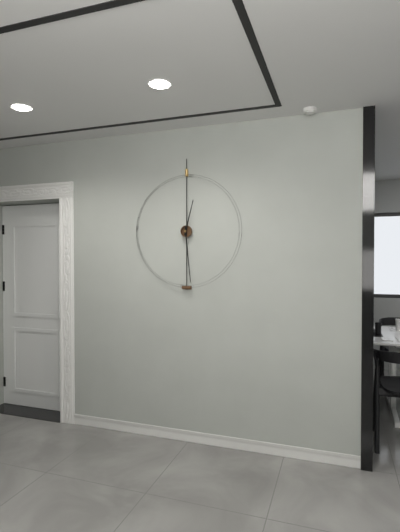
12,29
